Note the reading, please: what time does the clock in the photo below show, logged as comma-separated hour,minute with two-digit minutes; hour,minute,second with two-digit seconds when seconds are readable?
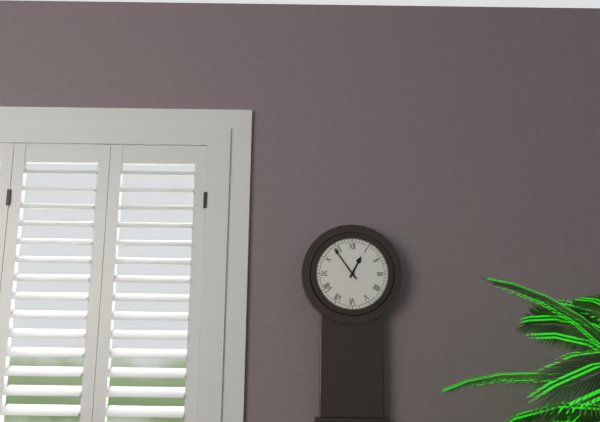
12,54
